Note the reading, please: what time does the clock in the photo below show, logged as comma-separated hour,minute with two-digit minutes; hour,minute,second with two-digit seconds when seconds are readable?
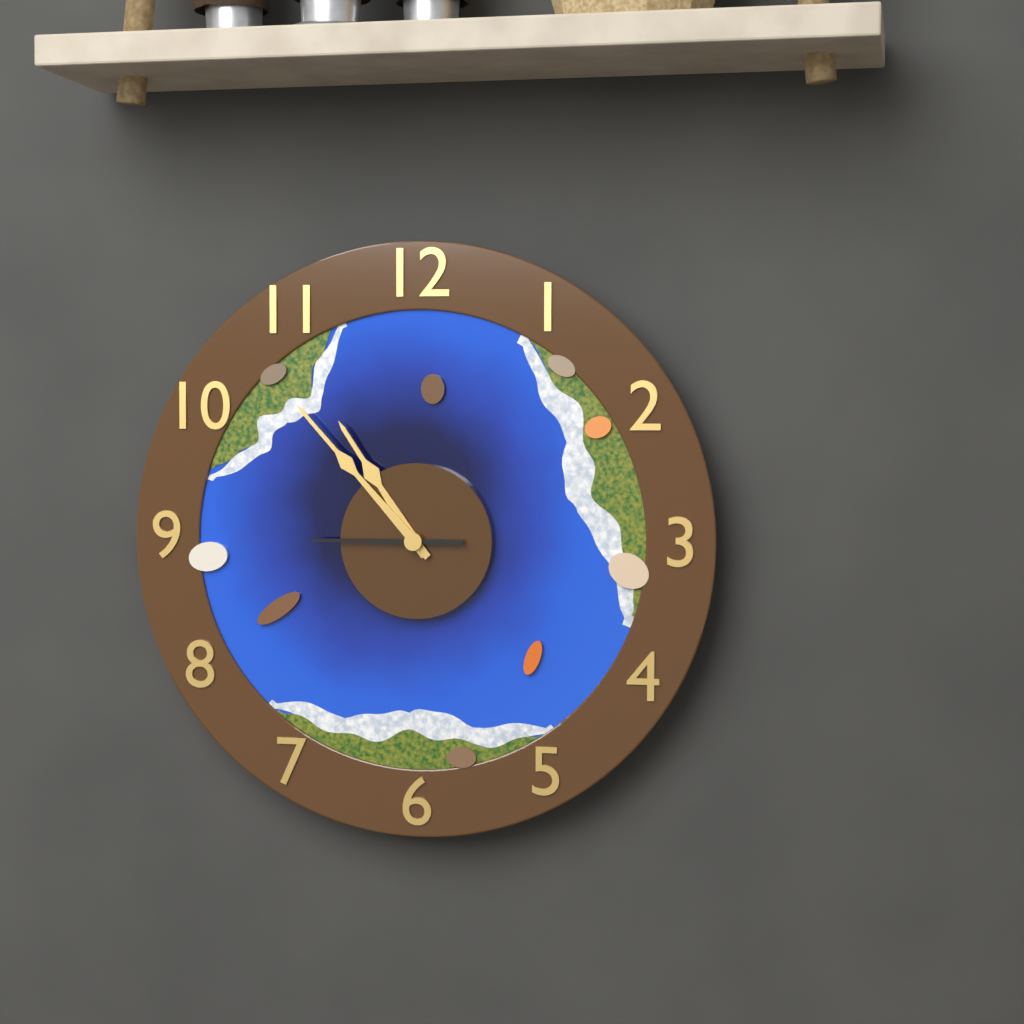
10,53,45
